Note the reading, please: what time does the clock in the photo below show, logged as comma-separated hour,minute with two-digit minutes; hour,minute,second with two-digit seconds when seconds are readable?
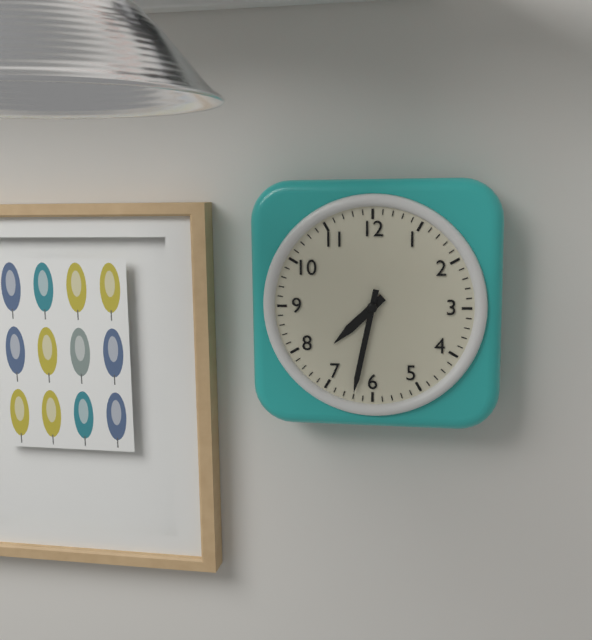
7,32
